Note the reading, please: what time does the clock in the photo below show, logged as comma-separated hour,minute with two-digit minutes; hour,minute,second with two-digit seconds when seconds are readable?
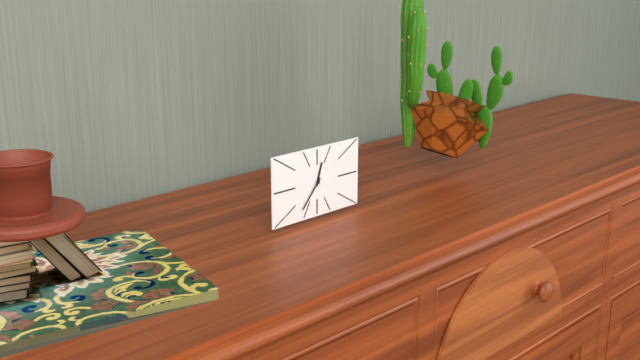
12,37
